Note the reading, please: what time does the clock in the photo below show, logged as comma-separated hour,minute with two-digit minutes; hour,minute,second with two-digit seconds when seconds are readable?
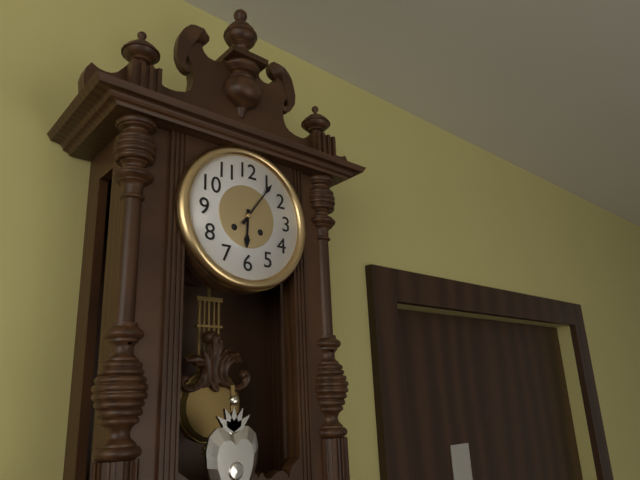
6,06
